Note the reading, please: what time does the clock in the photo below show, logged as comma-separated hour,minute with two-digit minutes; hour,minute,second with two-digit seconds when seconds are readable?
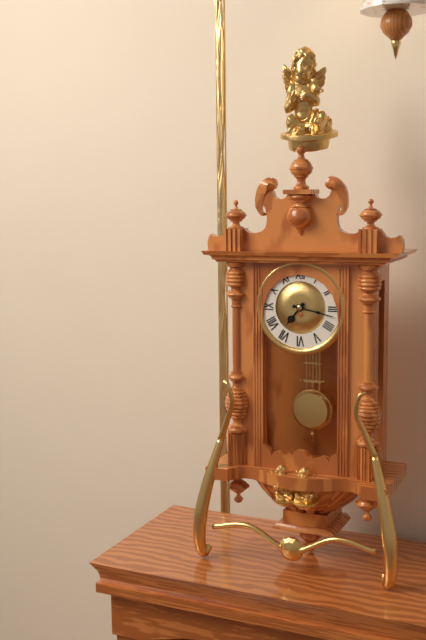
7,17
